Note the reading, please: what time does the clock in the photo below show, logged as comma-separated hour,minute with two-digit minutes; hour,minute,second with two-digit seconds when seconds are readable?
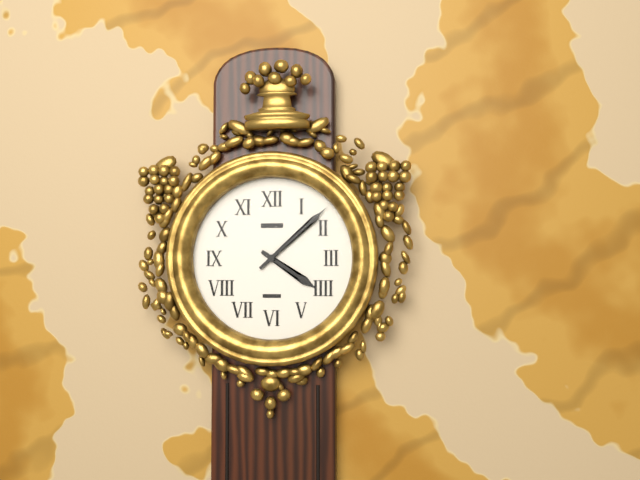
4,08
